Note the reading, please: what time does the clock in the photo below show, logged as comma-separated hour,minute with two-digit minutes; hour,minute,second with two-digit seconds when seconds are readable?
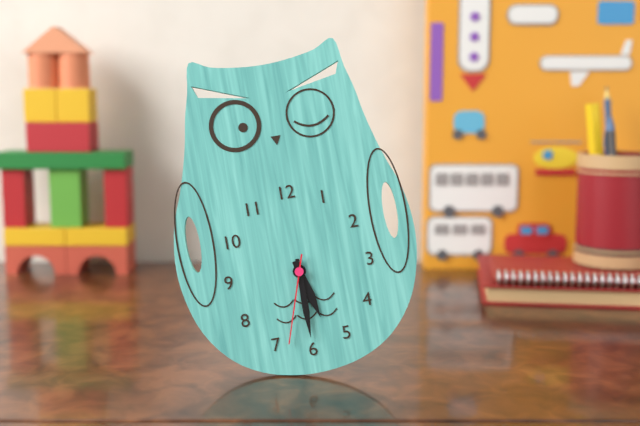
5,30,33
